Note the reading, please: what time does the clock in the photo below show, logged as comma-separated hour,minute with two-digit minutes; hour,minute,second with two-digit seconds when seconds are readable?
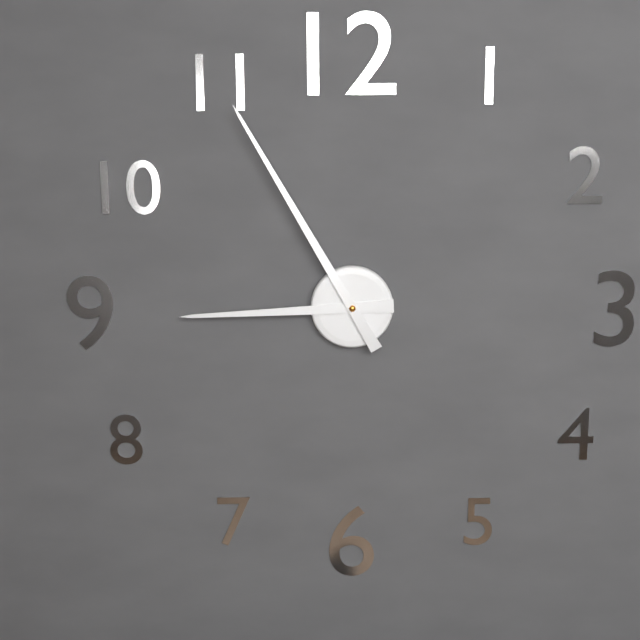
8,55
